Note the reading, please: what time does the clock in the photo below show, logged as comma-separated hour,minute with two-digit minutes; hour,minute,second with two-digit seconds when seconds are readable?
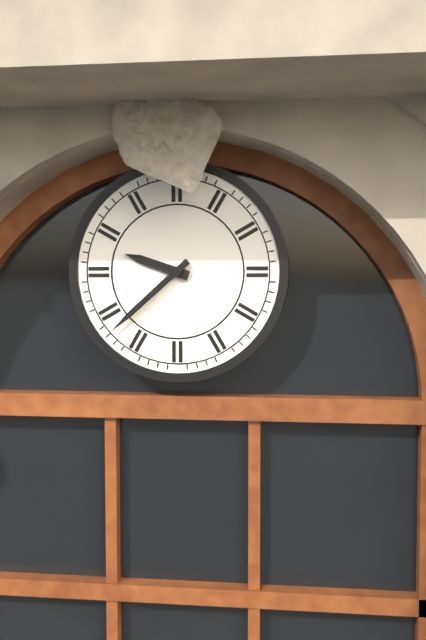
9,38
